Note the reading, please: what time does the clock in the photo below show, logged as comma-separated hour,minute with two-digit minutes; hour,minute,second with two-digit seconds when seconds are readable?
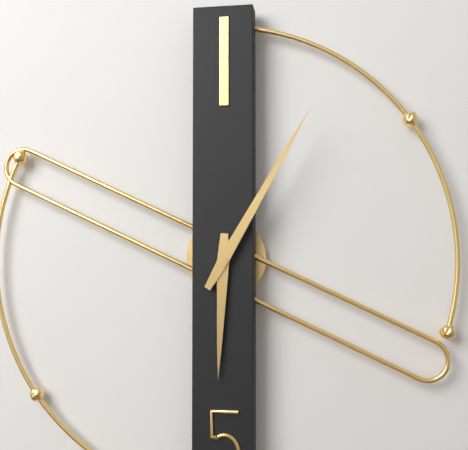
6,05
